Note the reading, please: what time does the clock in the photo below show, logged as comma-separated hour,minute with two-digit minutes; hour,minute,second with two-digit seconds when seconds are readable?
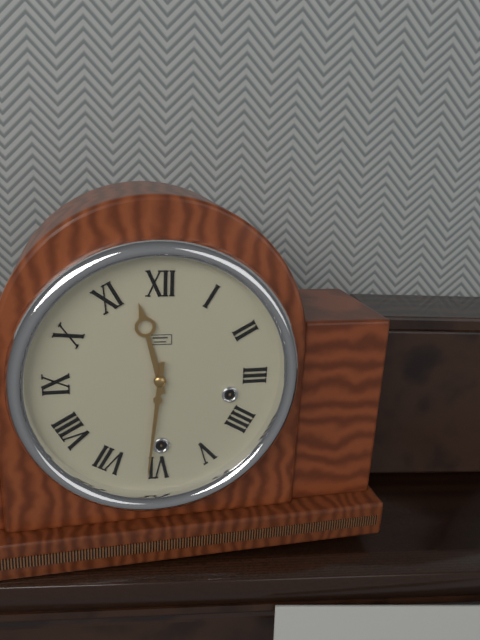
11,31
